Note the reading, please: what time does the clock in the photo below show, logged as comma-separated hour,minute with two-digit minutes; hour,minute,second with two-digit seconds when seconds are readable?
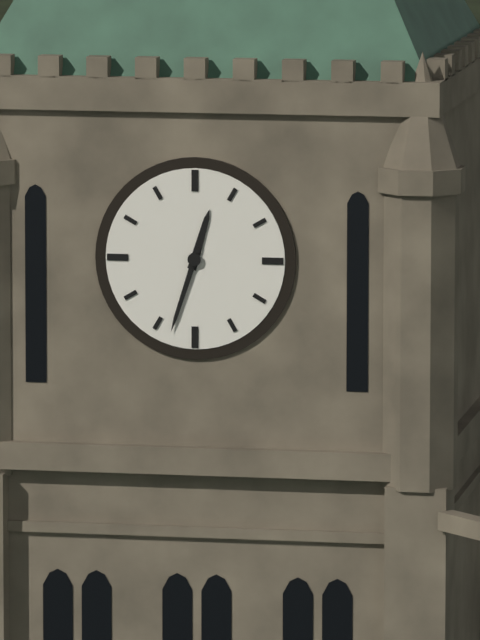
12,33
